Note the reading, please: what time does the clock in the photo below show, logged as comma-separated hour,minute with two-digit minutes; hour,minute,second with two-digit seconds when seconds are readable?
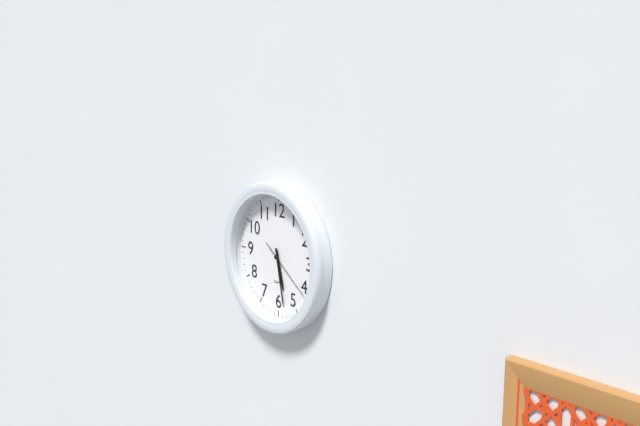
5,28,21
